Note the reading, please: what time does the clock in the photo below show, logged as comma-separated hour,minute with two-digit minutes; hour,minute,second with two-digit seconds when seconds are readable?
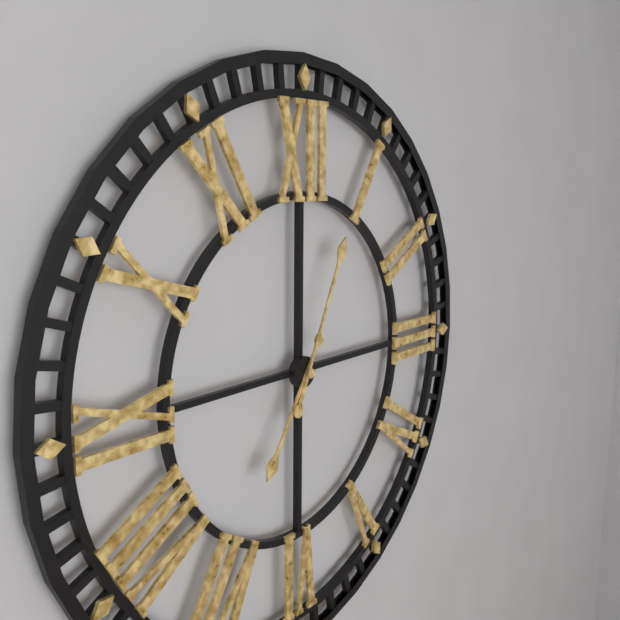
7,04
